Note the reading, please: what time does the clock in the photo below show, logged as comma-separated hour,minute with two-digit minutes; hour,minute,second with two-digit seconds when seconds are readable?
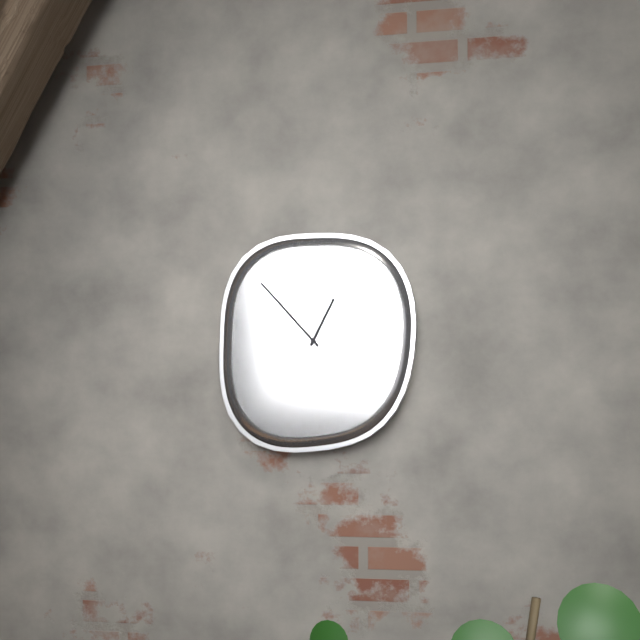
12,53
